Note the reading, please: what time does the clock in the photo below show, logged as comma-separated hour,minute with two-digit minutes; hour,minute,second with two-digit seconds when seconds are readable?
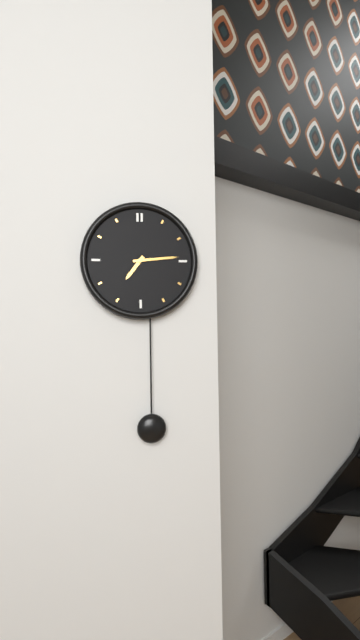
7,14
